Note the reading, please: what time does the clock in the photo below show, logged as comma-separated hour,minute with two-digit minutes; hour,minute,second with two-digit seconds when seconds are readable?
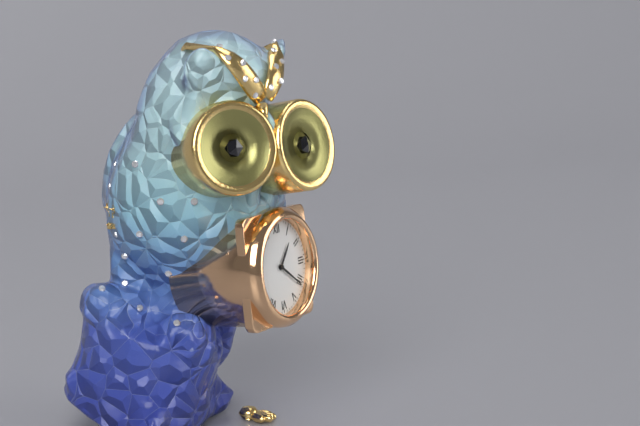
1,21
